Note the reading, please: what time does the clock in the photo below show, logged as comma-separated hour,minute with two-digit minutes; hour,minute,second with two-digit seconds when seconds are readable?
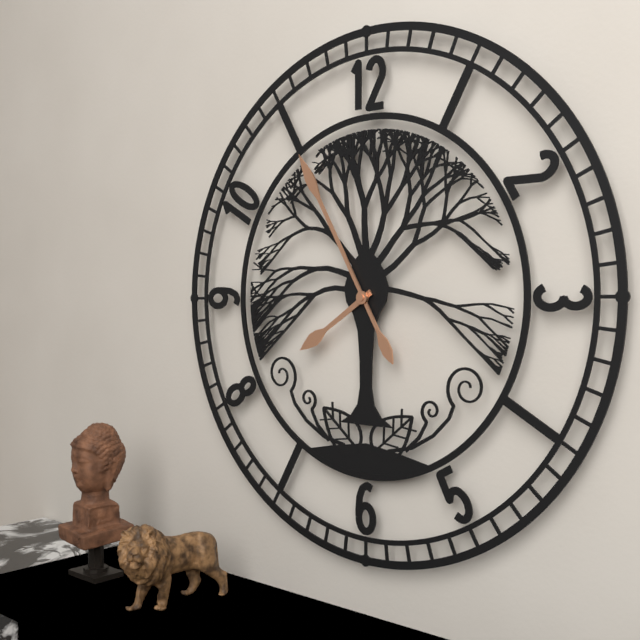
7,55
